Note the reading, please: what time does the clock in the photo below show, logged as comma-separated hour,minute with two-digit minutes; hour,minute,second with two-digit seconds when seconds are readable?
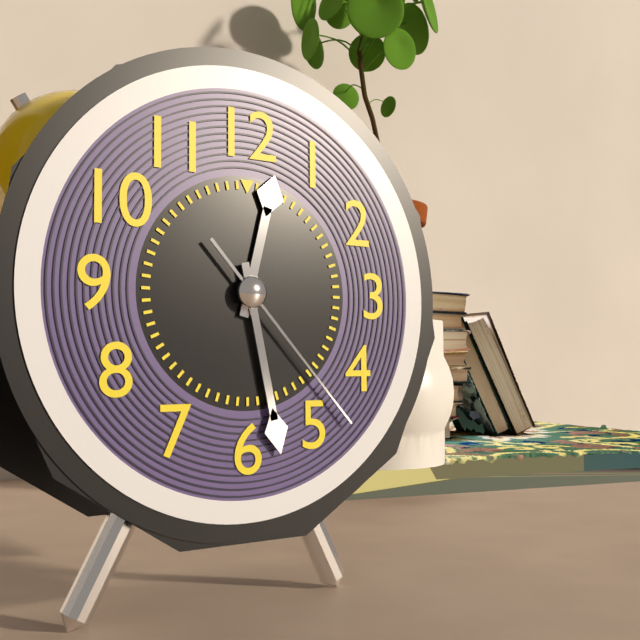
12,28,23
